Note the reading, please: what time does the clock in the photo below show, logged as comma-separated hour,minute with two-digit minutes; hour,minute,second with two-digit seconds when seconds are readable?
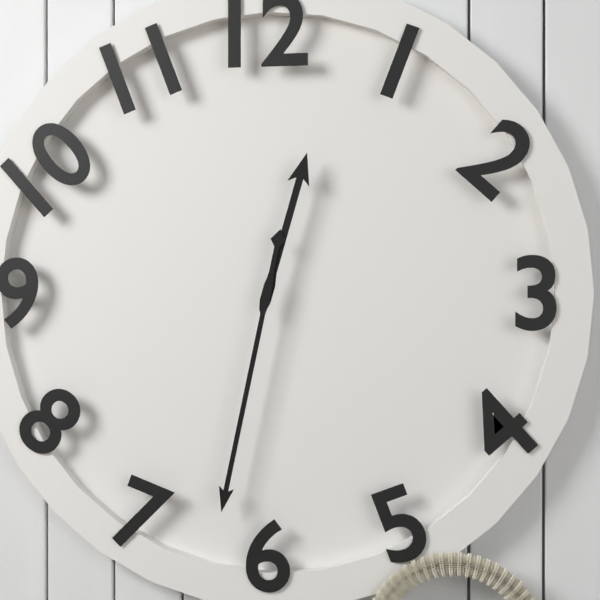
12,32
